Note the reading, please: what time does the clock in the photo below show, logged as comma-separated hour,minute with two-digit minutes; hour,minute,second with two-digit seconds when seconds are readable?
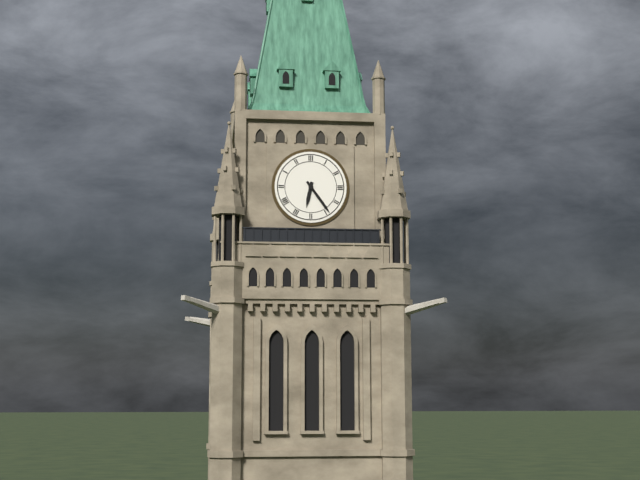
6,24
